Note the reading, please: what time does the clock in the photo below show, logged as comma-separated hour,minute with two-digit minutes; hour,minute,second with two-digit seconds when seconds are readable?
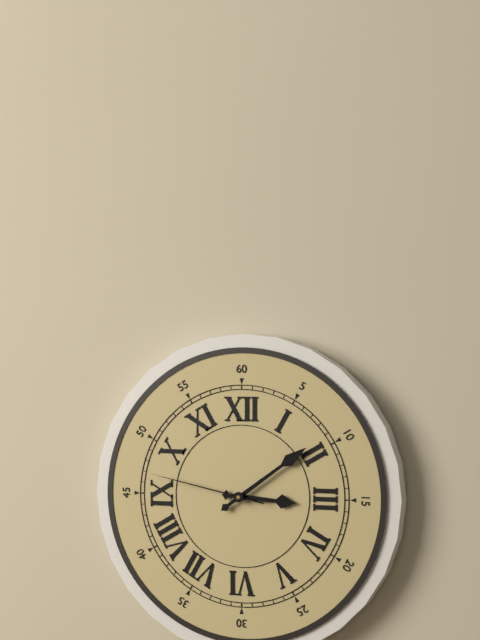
3,09,47
